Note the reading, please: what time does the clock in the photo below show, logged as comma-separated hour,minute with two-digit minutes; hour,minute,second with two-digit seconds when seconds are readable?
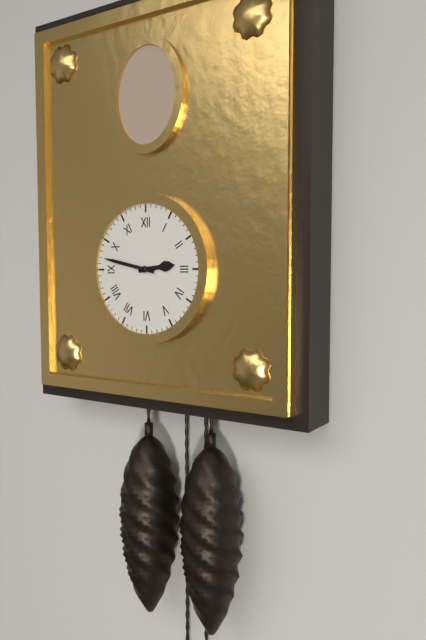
2,47
